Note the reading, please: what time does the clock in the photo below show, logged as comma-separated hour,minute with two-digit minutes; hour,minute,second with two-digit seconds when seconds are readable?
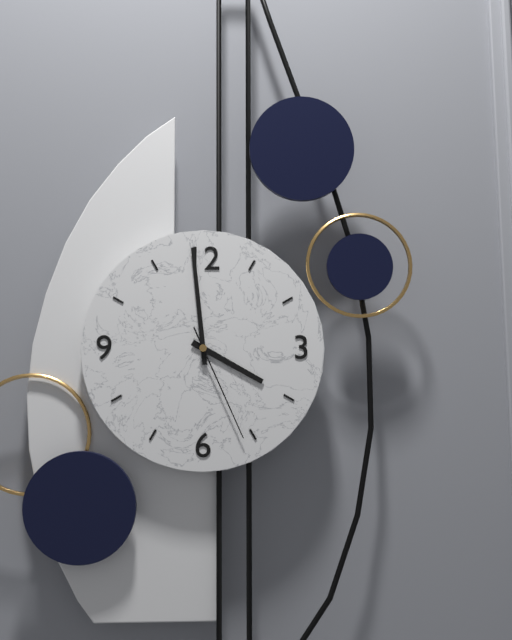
3,59,26
